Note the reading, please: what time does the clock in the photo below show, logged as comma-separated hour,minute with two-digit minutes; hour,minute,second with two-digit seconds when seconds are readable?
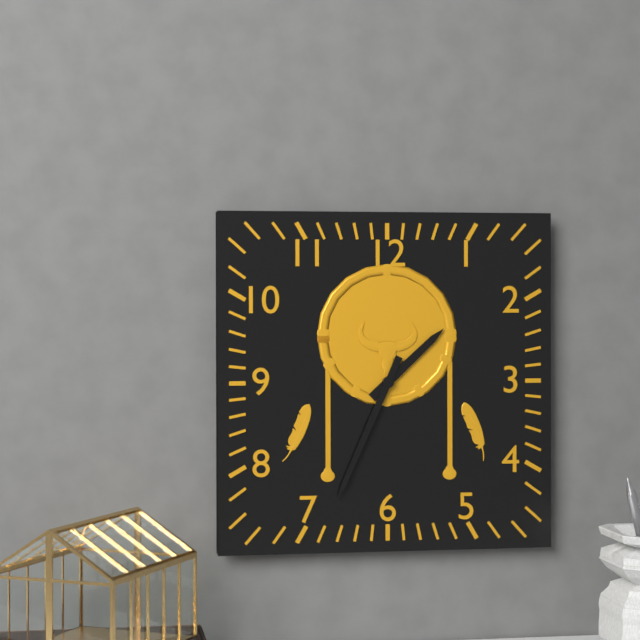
1,34
